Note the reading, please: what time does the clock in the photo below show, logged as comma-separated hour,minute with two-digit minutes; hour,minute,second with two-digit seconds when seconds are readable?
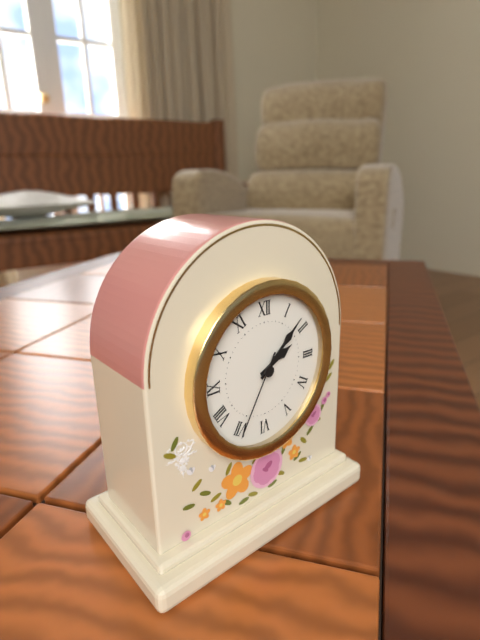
2,08,35
